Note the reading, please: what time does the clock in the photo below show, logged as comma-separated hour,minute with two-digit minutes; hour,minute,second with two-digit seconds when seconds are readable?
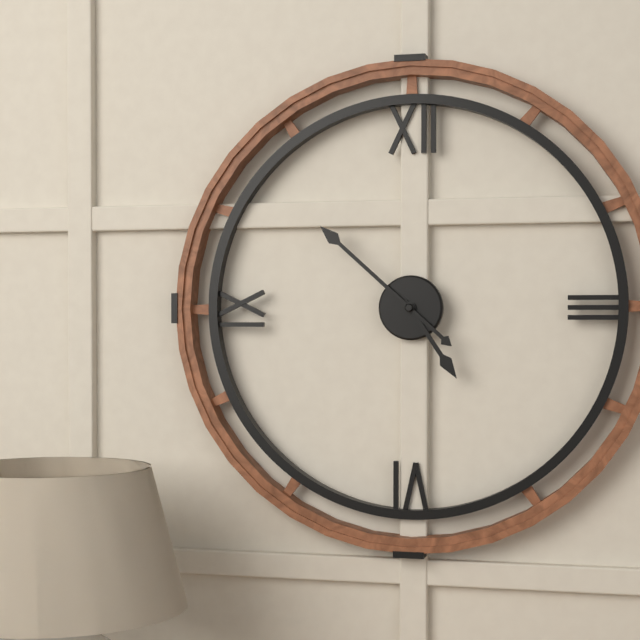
4,52
